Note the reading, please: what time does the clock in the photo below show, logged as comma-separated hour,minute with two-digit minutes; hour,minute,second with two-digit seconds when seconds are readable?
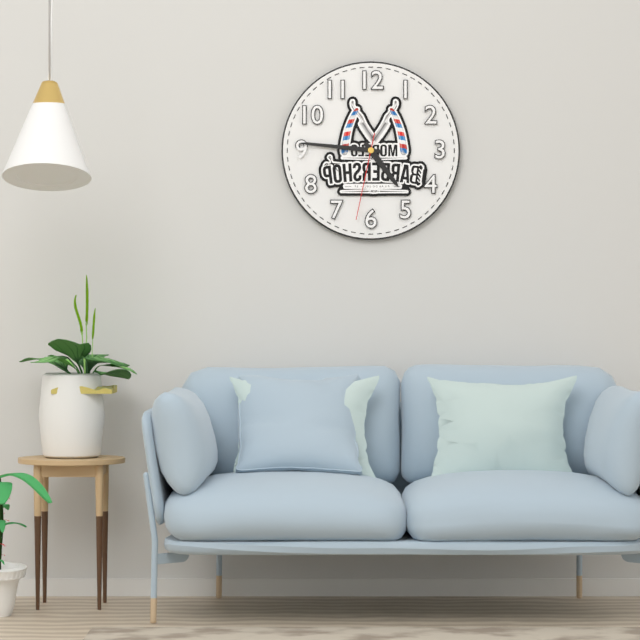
4,46,32
